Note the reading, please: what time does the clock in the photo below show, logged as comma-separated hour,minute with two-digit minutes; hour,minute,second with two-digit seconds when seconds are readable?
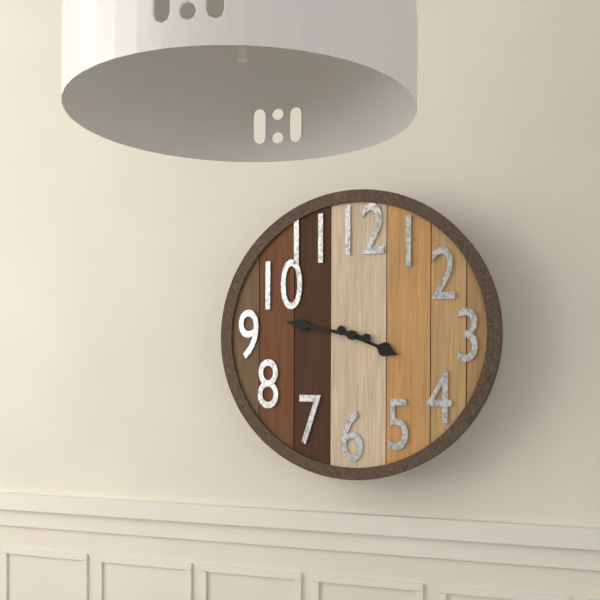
3,47
